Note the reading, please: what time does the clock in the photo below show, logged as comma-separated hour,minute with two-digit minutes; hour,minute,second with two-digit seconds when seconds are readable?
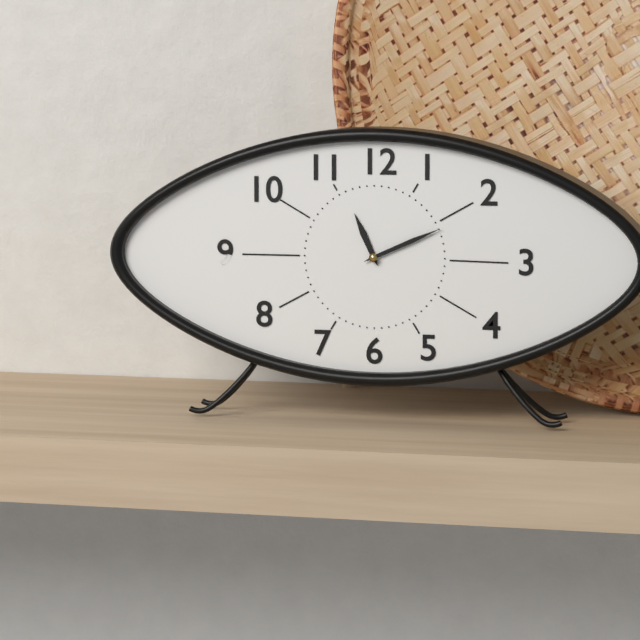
11,11
